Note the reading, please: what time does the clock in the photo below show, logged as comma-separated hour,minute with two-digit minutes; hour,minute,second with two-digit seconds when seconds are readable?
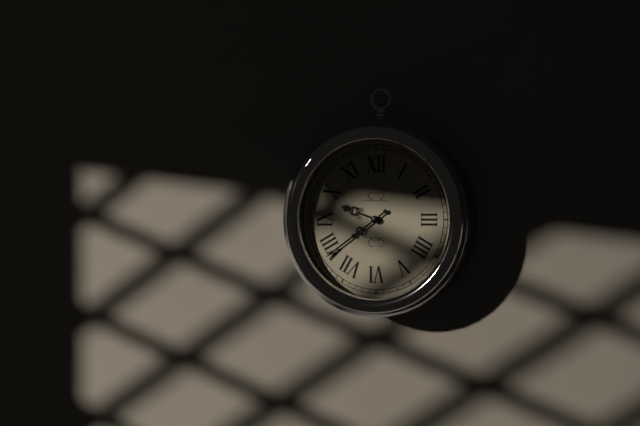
9,39
